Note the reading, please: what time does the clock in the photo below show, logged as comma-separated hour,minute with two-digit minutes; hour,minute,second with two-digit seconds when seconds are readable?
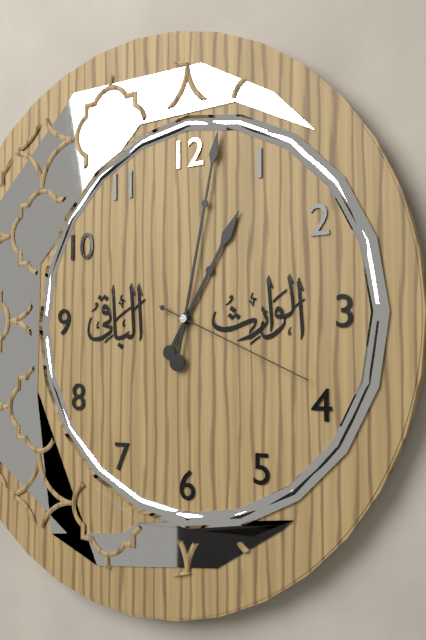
1,02,19
